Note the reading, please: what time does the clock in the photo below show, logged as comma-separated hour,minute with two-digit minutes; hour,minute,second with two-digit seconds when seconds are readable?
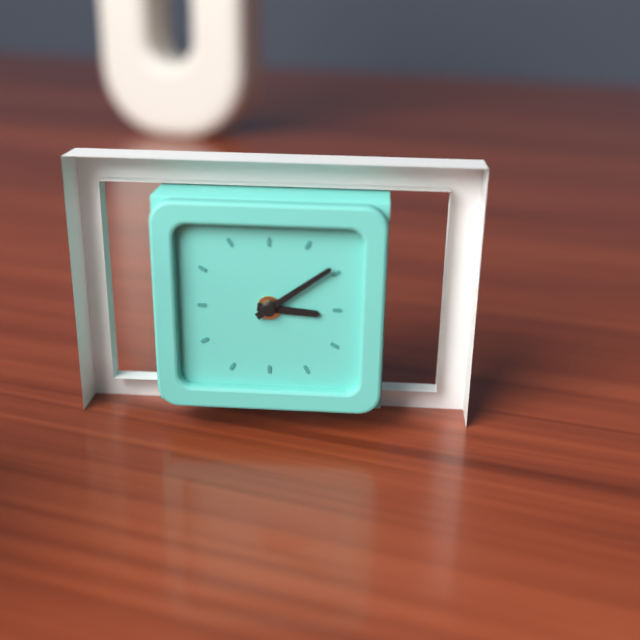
3,09
